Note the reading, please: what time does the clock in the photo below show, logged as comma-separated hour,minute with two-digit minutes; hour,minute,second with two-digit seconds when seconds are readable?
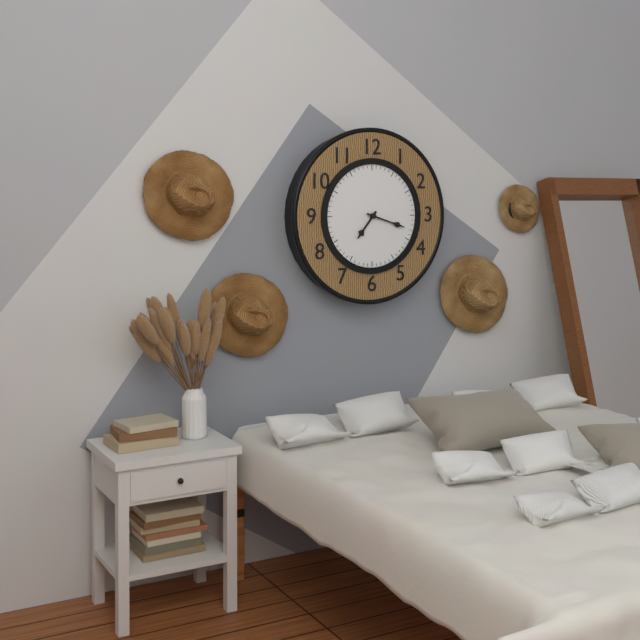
7,18
